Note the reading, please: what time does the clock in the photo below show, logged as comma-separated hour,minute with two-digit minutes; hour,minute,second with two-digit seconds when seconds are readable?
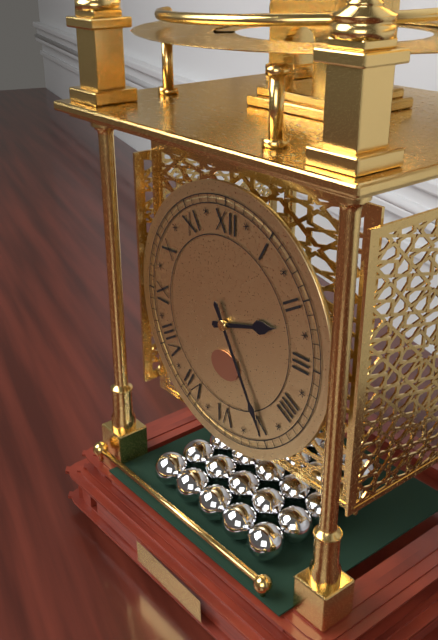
2,25
